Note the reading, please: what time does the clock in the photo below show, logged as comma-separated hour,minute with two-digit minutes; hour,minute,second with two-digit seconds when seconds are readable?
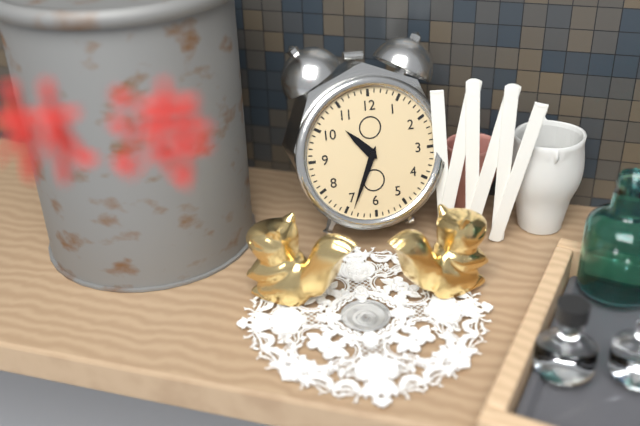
10,34
